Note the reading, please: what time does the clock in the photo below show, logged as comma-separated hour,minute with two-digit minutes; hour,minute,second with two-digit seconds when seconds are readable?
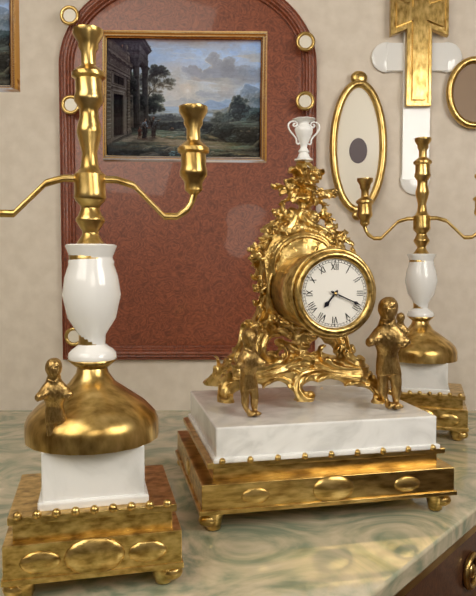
7,19
